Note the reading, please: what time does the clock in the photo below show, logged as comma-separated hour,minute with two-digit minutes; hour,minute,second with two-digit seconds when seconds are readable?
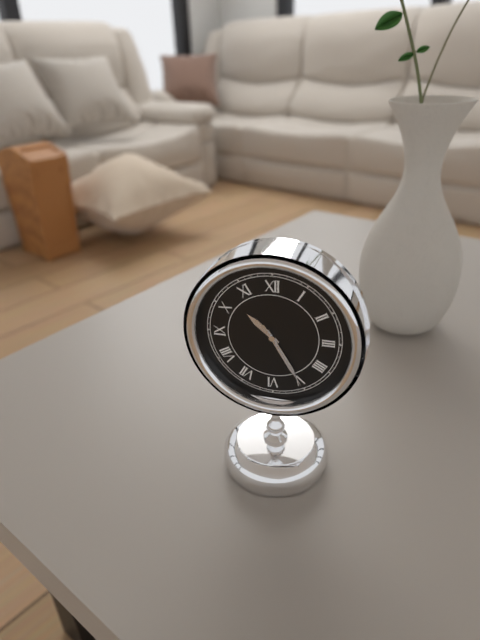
10,25,25
